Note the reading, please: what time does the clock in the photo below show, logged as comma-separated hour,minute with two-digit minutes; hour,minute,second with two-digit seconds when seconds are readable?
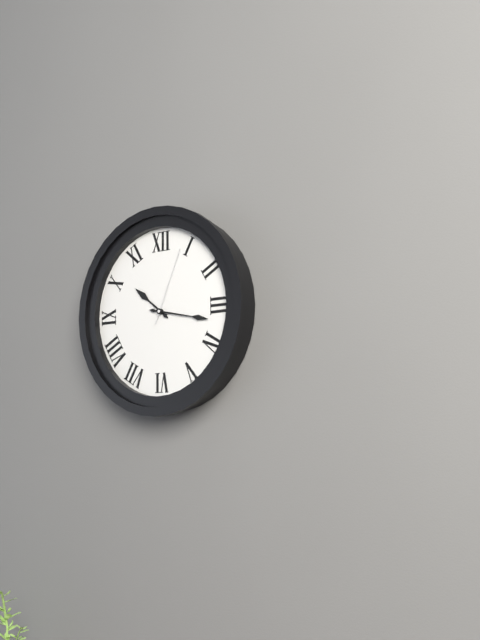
10,17,04
